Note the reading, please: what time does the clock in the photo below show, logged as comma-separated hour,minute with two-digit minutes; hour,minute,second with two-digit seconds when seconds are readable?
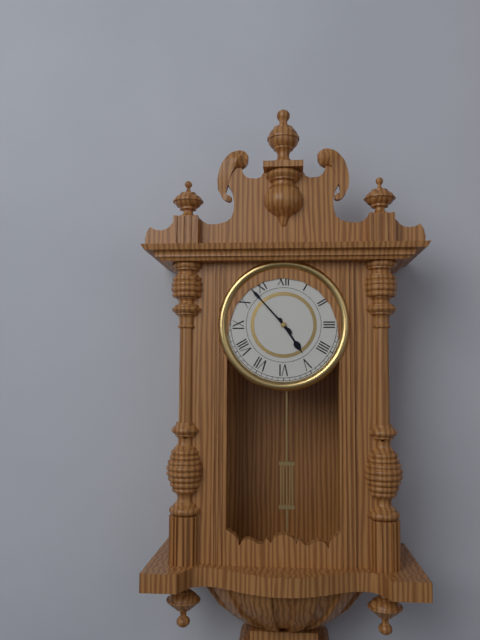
4,53
